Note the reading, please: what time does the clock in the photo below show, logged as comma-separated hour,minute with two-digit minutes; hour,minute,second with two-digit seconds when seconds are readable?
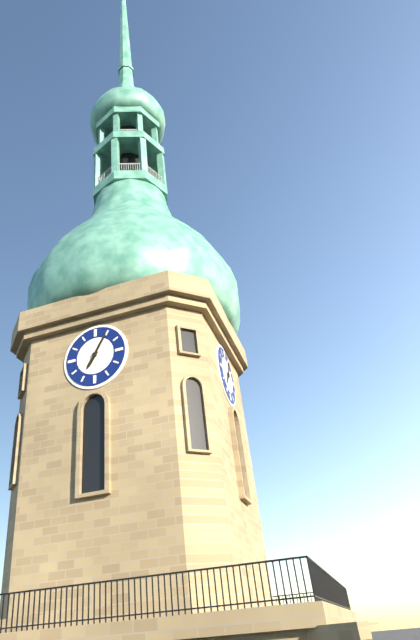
7,05
